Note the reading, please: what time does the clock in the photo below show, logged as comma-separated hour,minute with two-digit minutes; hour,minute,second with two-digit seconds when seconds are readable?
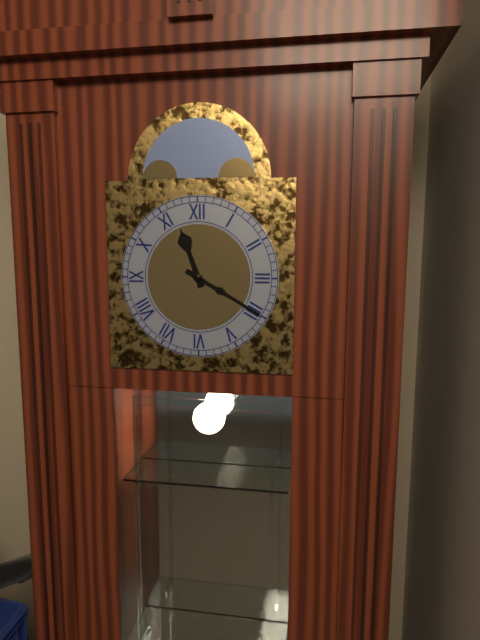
11,20
